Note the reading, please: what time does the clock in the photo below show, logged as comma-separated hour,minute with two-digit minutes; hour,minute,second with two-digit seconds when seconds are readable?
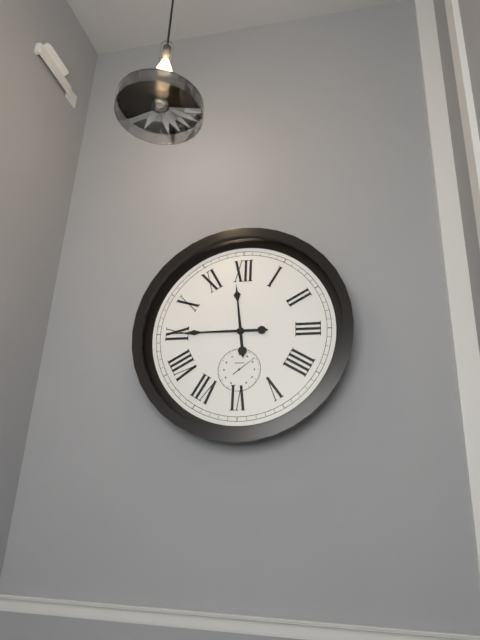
11,45
